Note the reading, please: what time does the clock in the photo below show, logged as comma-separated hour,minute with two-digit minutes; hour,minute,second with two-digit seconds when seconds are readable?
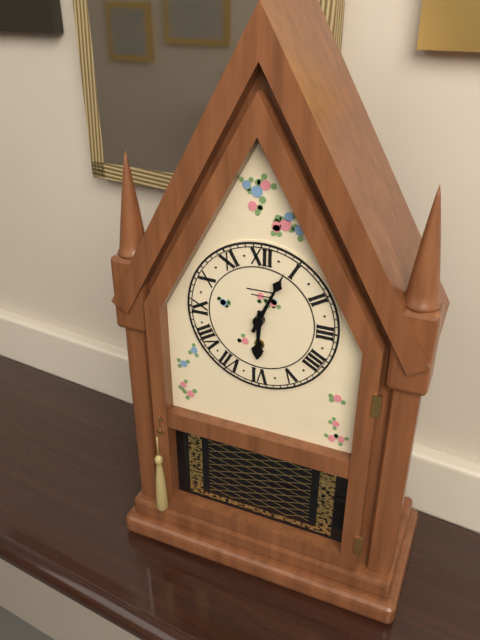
6,04
